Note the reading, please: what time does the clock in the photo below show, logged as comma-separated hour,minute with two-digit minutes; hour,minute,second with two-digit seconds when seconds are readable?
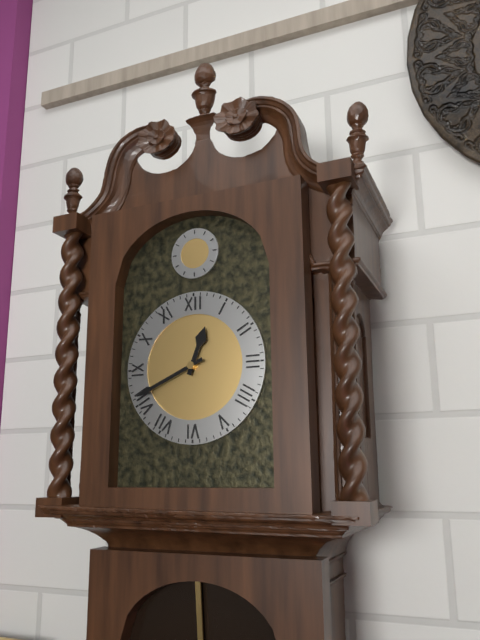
12,41
